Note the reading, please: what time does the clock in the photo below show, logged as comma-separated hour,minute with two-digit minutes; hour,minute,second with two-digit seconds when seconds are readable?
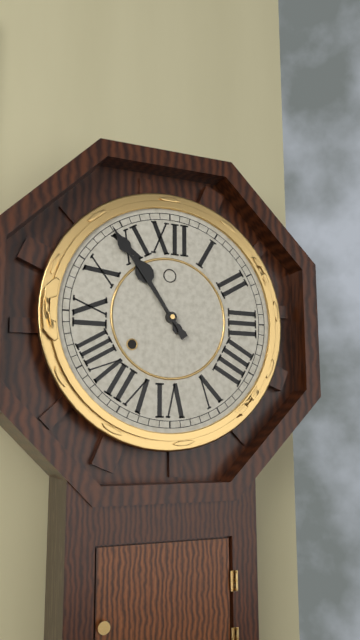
10,54
